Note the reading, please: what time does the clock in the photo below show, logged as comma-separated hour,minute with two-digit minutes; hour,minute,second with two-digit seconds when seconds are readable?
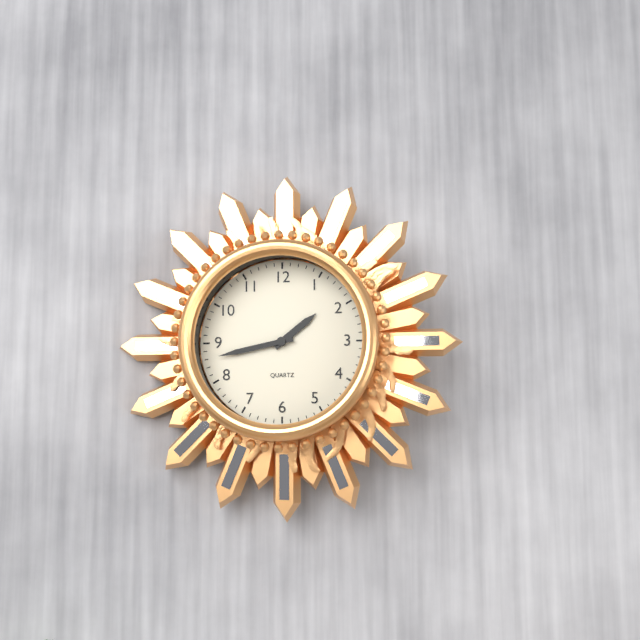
1,43
